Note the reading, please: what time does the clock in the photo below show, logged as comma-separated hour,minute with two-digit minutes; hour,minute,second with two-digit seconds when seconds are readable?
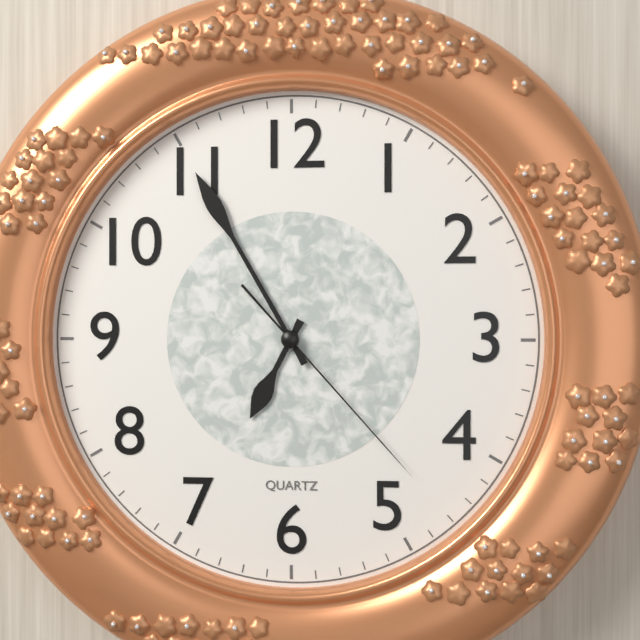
6,55,23
